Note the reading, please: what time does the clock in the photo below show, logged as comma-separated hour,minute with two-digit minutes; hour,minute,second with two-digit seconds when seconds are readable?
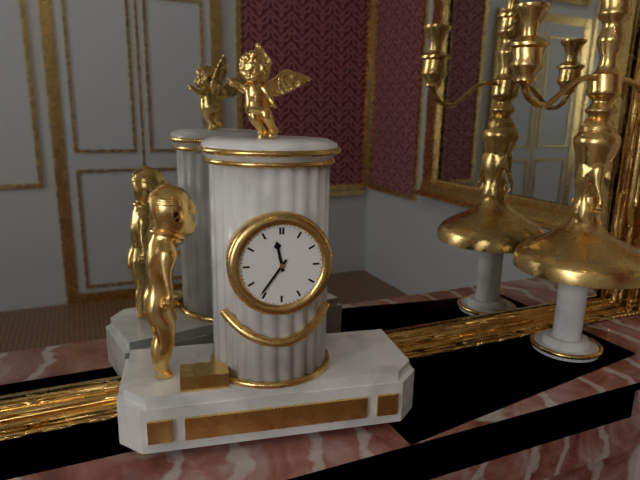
11,36
